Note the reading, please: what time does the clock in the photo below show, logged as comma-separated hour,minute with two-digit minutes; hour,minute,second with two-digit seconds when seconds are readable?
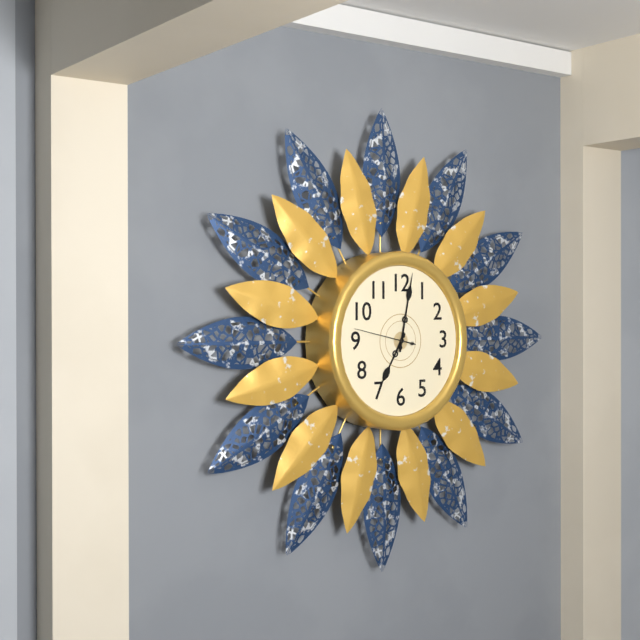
7,02,47
